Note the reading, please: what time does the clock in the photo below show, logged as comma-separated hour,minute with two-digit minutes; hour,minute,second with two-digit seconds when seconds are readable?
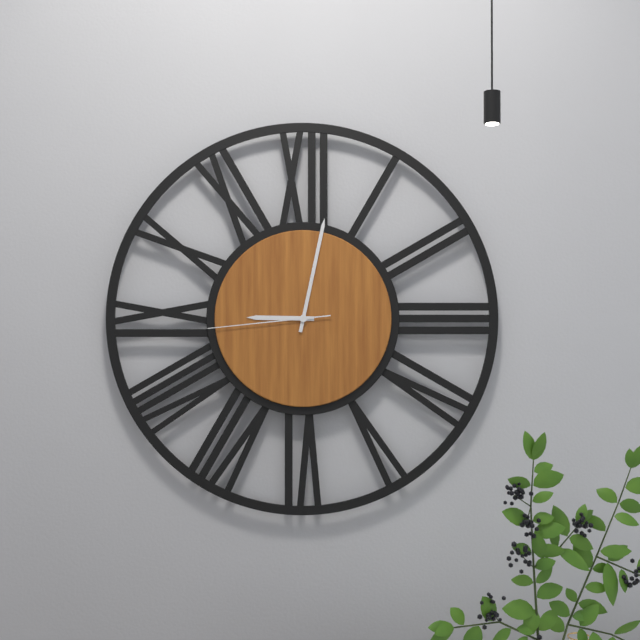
9,02,44
